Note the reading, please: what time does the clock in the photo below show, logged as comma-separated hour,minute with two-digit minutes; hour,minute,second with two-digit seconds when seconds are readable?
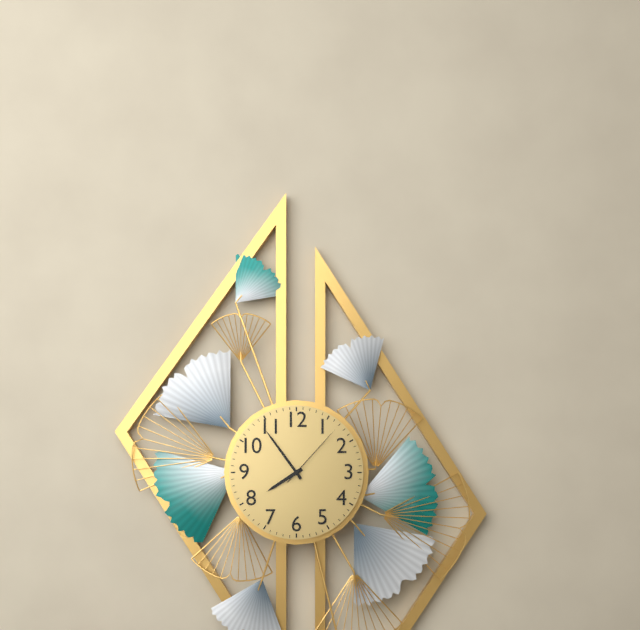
7,54,07
